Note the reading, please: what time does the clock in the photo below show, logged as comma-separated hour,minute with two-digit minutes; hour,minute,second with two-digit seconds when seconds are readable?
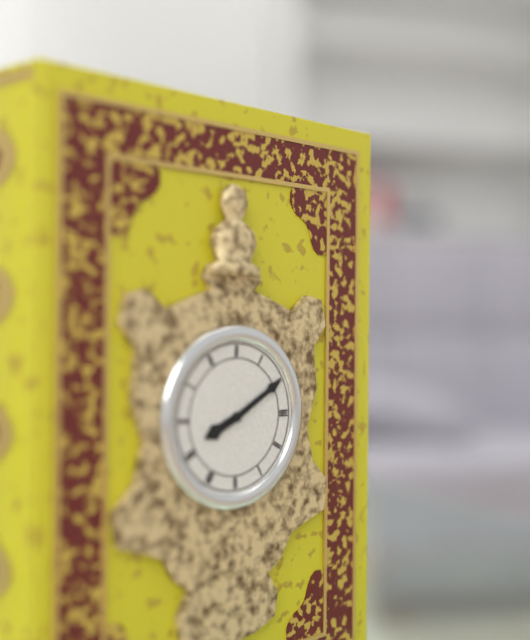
8,10
